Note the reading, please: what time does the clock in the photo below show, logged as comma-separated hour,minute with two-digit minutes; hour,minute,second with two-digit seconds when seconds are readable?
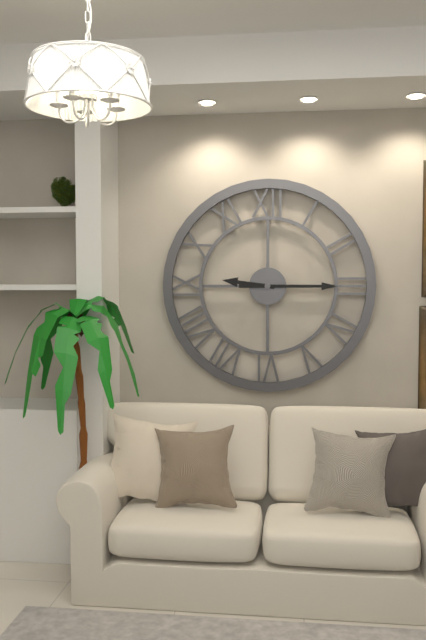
9,15
